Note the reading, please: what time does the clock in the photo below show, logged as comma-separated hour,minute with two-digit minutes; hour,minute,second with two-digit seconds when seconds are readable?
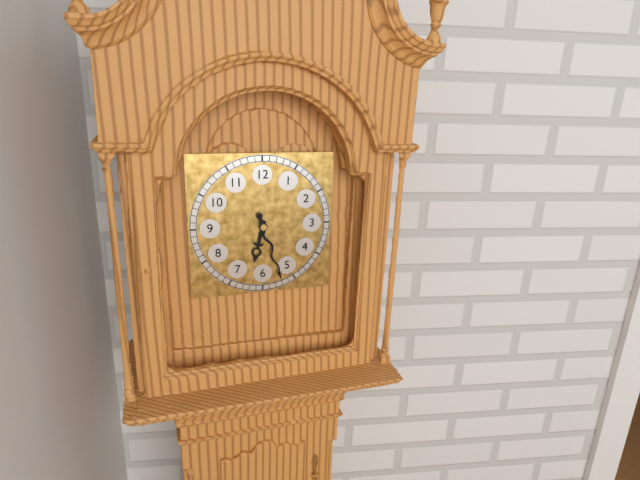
6,27
